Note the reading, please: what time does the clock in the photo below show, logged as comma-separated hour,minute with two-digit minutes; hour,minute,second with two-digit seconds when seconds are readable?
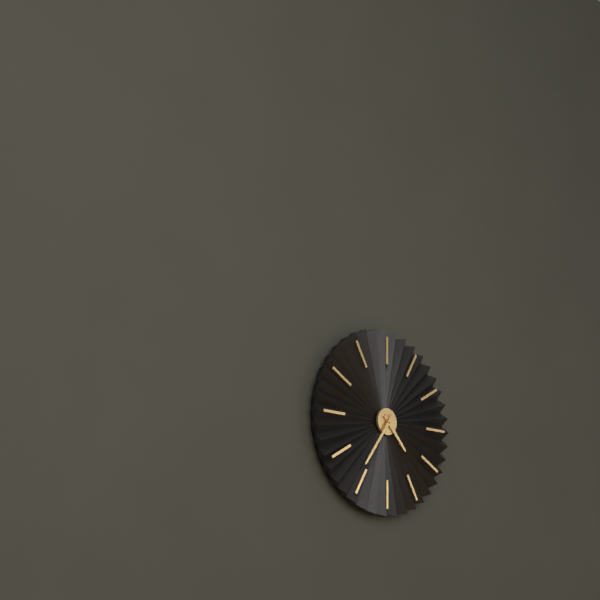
4,36
